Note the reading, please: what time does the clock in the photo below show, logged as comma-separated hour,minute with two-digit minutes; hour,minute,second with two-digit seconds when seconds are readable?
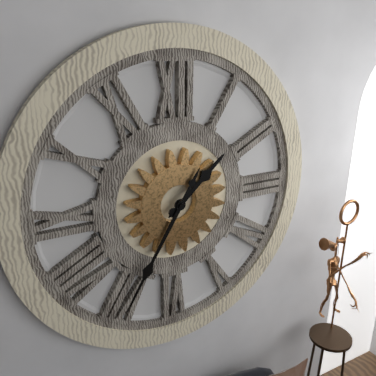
1,35
